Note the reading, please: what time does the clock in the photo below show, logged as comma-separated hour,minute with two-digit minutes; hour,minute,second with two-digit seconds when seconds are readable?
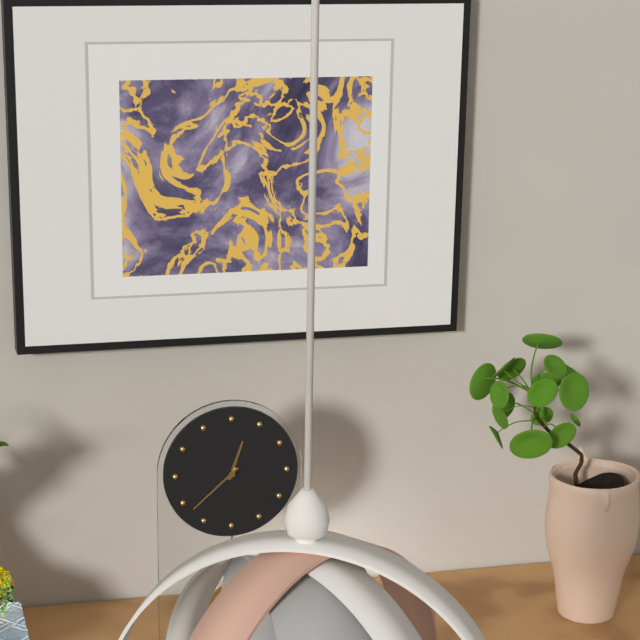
12,38
